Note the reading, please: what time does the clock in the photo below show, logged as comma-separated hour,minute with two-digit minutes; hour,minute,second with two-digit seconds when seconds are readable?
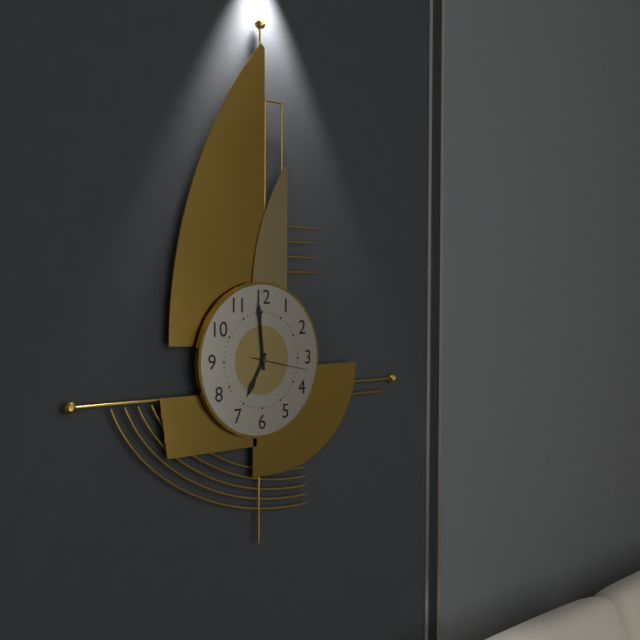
6,59,17
